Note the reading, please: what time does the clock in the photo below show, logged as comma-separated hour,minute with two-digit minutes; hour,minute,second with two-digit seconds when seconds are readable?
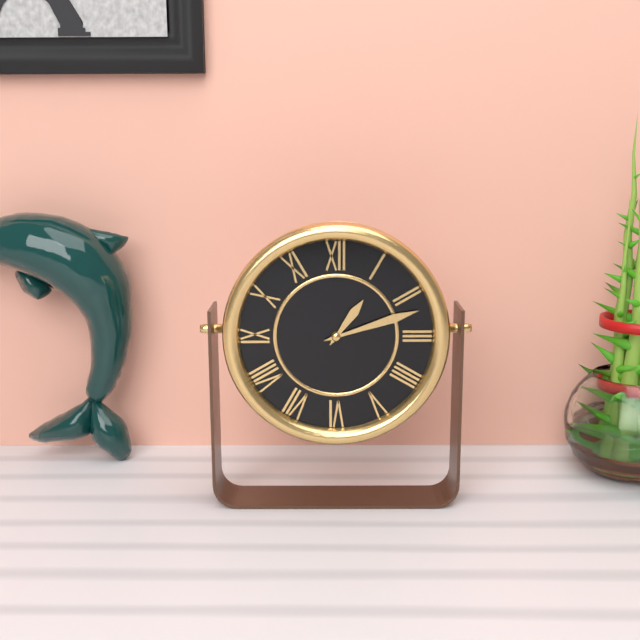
1,12
